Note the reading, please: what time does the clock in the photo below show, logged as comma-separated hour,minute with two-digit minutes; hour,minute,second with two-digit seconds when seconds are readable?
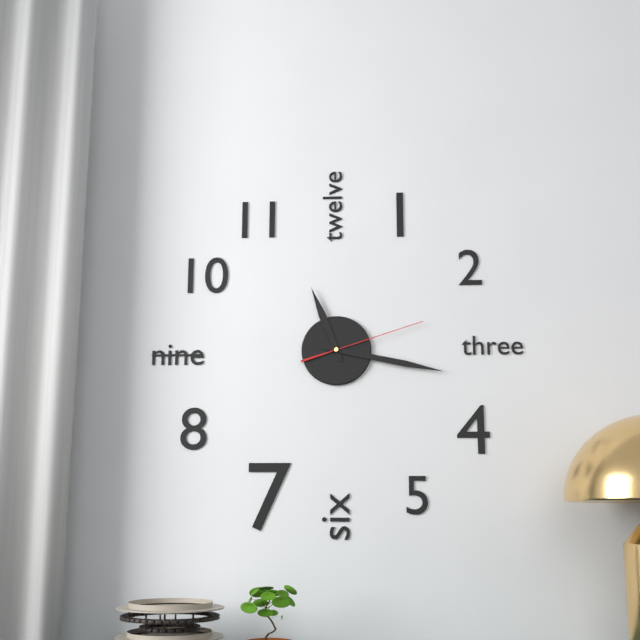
11,17,12
